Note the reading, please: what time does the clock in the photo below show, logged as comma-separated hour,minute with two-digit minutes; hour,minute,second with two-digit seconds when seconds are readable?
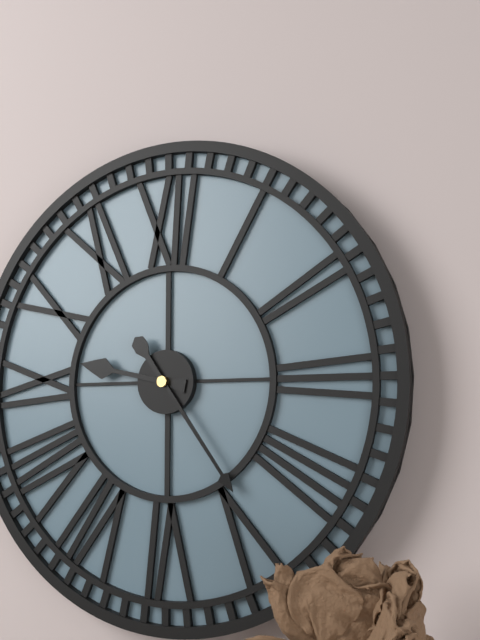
9,24
